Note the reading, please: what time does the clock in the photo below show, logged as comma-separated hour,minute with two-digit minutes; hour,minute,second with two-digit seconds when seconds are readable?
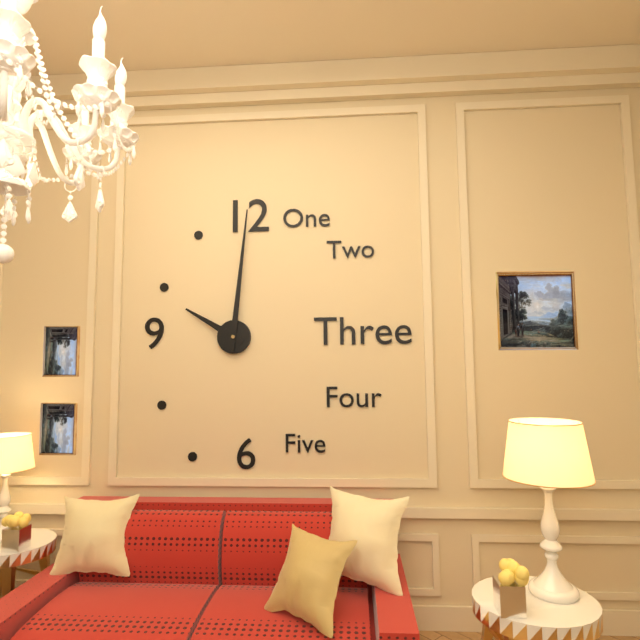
10,01
